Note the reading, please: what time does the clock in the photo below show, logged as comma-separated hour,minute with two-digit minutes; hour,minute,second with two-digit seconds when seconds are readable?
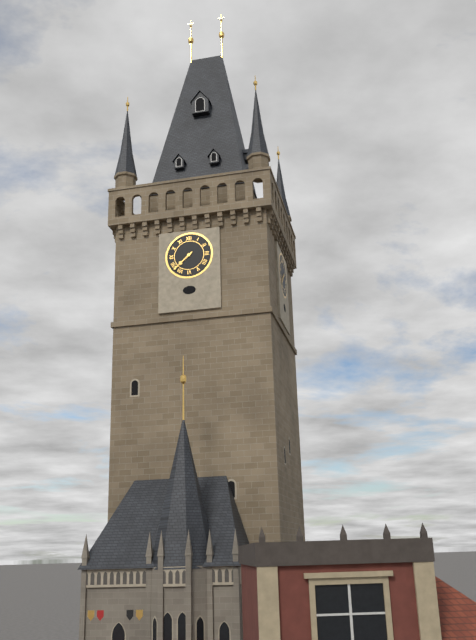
7,38
